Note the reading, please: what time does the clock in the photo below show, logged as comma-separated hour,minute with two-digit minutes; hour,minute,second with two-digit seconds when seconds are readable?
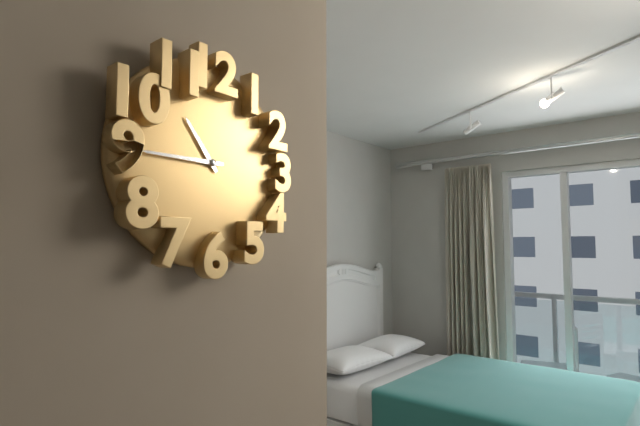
10,45
